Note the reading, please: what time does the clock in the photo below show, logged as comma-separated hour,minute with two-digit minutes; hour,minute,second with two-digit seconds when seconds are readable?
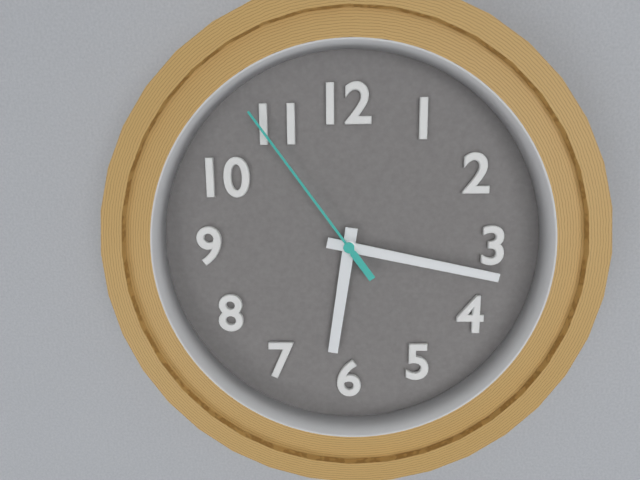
6,17,54
